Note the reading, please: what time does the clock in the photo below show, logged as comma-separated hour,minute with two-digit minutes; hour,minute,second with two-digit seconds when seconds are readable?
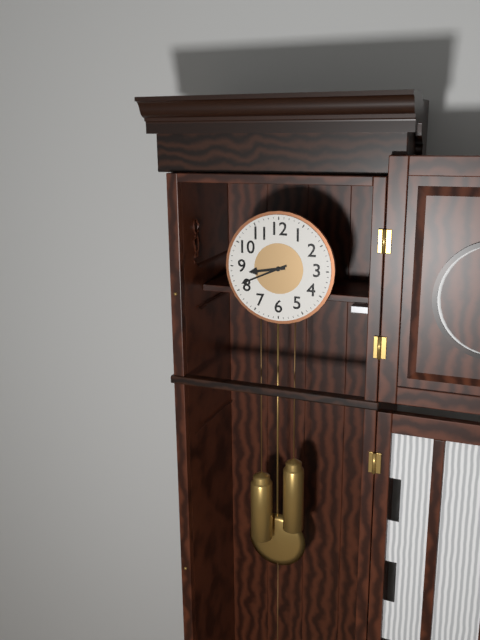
8,41
